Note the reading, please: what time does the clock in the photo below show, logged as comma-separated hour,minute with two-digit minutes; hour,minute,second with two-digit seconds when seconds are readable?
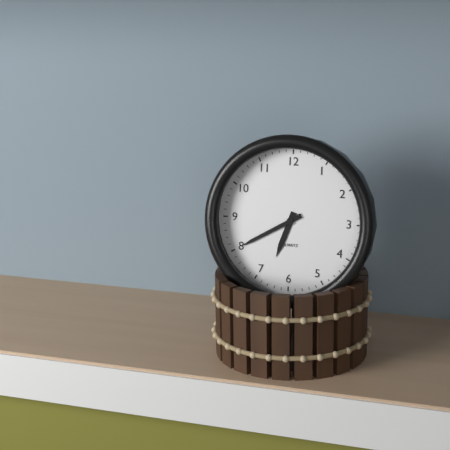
6,40
